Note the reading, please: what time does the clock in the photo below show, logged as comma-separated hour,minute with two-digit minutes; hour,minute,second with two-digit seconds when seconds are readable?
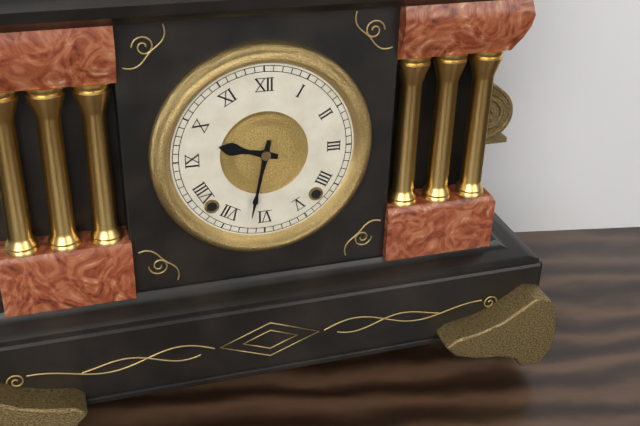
9,32
